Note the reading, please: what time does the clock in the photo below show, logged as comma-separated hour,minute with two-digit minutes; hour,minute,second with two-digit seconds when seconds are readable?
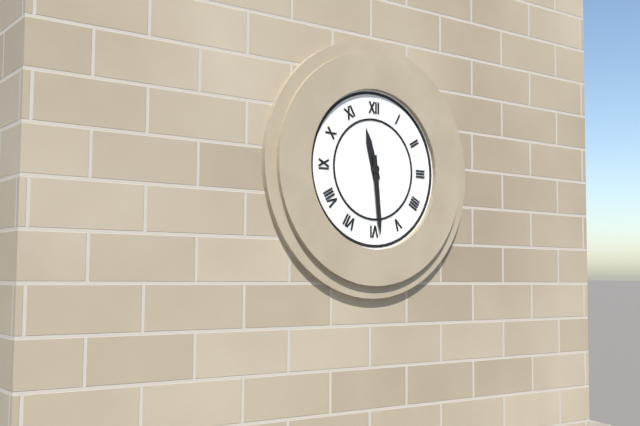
11,29
